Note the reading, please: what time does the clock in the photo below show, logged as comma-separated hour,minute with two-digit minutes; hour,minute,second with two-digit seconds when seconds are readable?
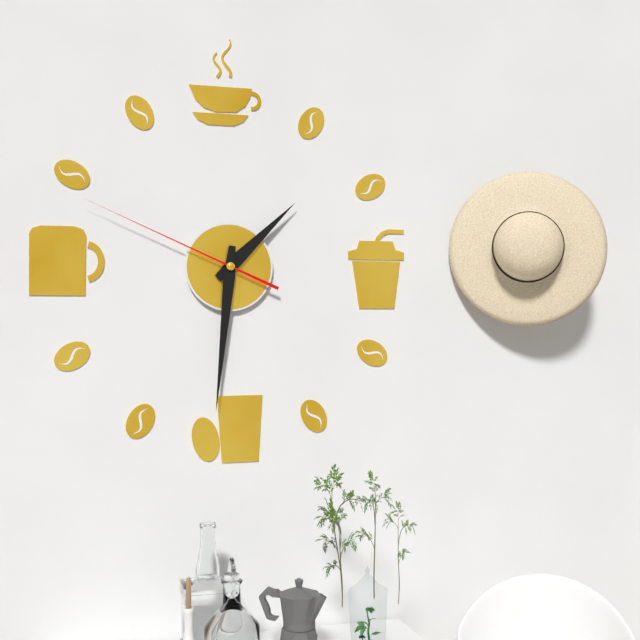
1,31,49
